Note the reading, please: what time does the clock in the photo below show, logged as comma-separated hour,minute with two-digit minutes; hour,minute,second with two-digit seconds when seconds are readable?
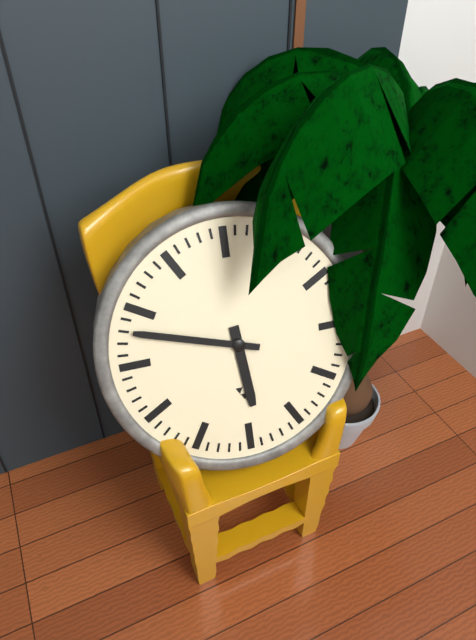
5,48
